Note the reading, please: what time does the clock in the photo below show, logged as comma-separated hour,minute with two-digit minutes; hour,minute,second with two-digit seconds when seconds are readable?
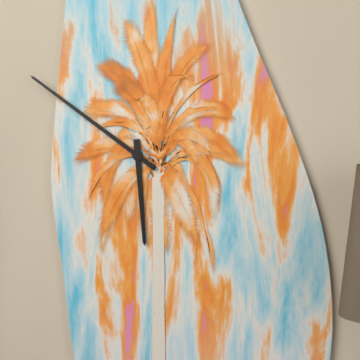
5,51
